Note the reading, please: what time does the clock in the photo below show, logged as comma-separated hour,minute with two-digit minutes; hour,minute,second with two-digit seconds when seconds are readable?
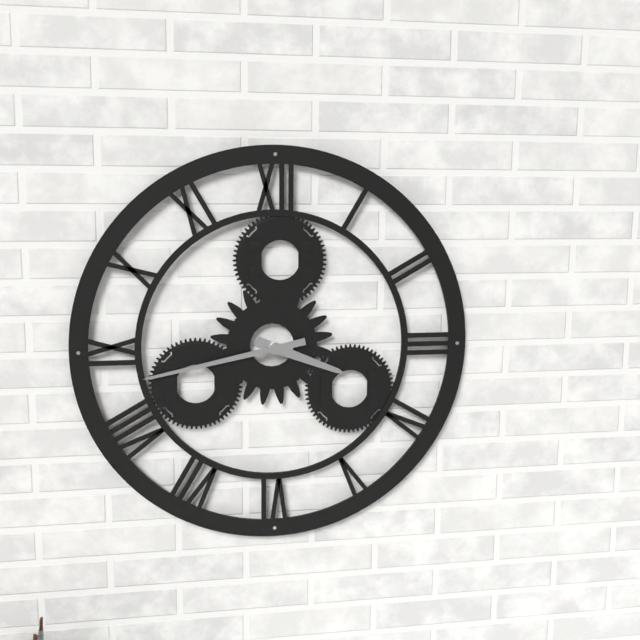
3,43
